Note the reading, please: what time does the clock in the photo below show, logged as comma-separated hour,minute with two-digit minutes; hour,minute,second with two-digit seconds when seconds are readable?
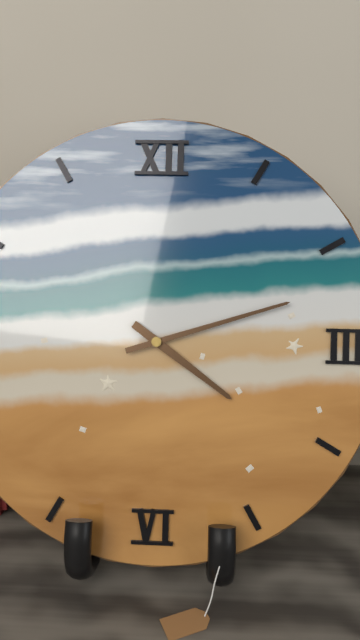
4,12
